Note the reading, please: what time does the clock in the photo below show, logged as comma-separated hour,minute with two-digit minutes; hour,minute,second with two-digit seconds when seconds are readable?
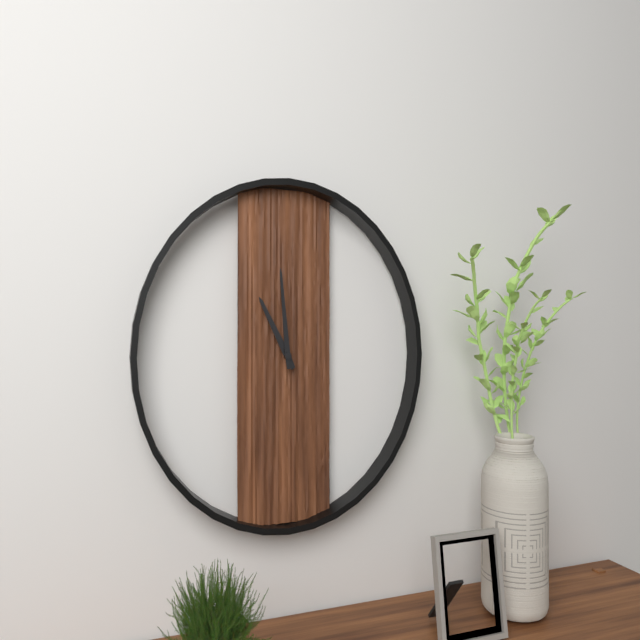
10,59
